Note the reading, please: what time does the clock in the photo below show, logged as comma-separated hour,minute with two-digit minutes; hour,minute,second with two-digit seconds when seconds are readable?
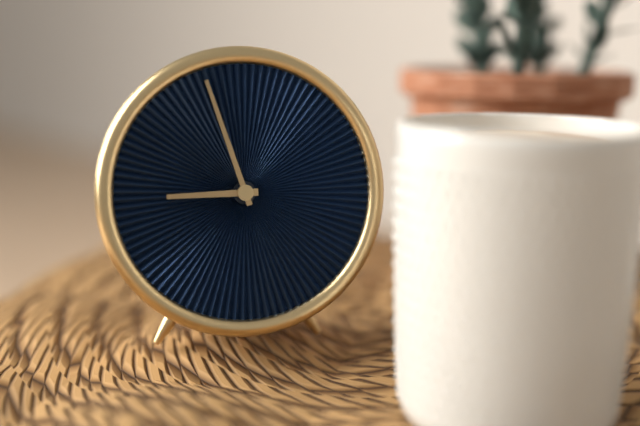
8,57
